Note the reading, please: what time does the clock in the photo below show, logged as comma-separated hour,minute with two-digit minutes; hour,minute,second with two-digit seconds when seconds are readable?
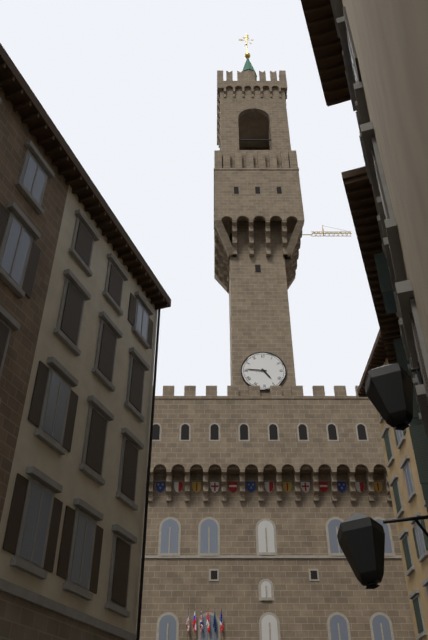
4,46
